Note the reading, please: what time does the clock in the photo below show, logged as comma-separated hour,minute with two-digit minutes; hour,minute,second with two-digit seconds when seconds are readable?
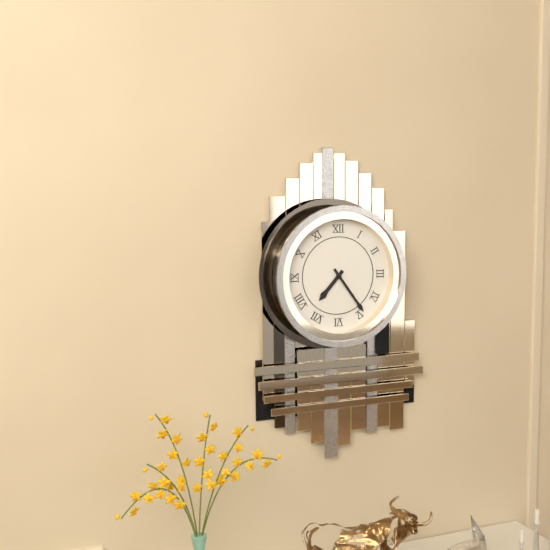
7,24
